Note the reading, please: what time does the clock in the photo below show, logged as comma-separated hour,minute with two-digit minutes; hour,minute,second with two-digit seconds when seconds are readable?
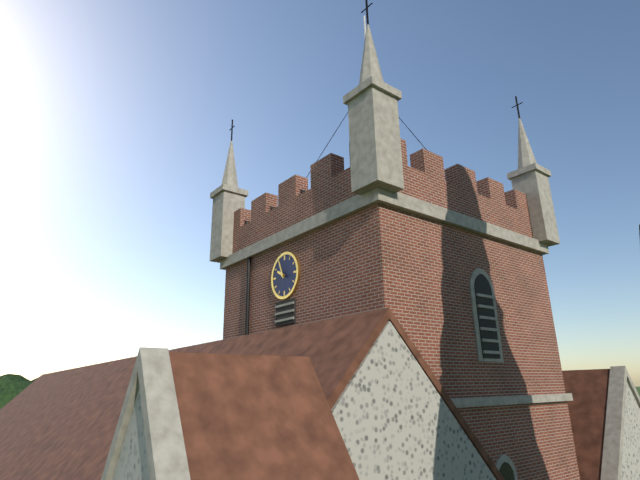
9,56
